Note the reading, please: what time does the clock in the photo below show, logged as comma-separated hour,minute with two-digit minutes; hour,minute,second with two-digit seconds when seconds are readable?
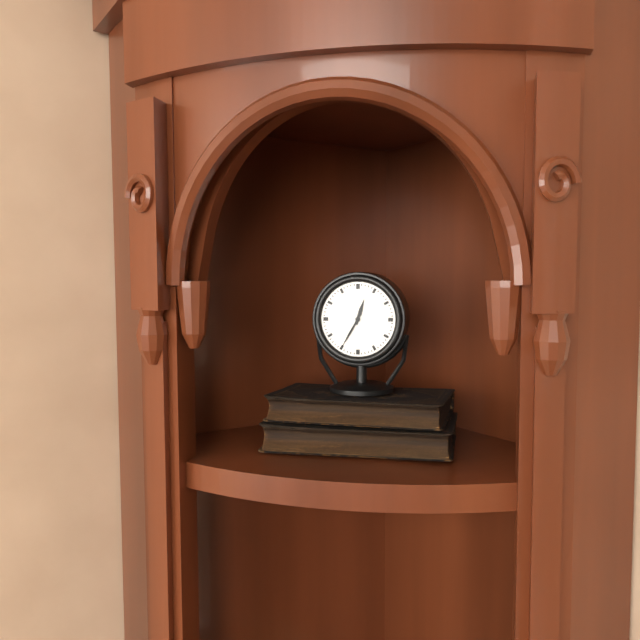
12,35
